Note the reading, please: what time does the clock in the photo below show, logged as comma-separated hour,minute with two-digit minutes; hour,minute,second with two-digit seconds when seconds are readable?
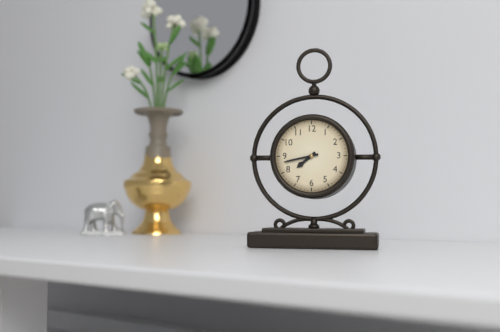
7,43
